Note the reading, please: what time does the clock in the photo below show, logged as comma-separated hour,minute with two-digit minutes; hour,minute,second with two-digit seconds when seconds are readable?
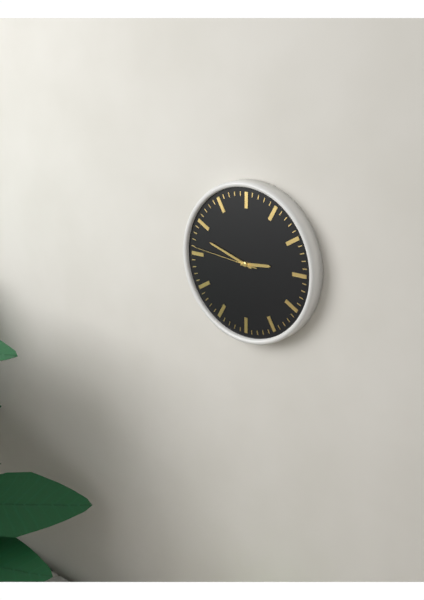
2,48,46
